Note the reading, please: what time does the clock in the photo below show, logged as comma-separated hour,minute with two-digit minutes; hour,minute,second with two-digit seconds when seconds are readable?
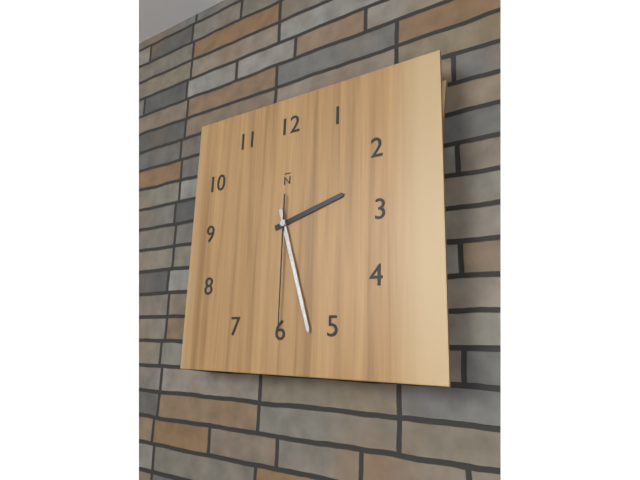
2,27,30
